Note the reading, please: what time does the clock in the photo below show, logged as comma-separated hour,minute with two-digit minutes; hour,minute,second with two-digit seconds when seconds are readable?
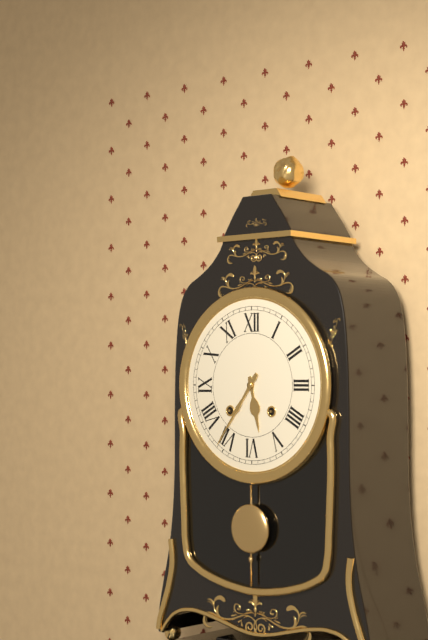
5,36
